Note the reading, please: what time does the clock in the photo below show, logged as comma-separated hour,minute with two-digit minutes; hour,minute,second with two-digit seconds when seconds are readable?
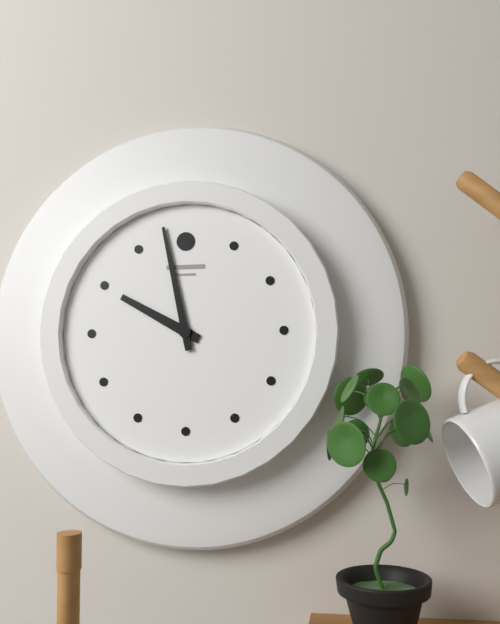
9,58
